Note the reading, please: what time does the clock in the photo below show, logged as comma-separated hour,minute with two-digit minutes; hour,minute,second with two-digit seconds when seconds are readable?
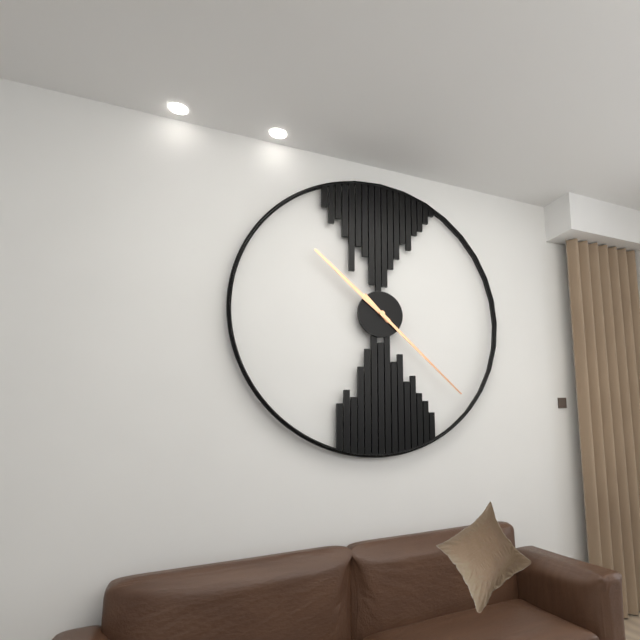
10,22
